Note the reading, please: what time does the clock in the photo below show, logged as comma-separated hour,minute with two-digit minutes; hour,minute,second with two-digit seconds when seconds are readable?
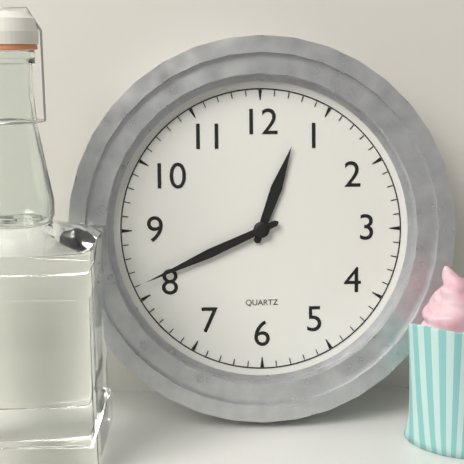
12,41
